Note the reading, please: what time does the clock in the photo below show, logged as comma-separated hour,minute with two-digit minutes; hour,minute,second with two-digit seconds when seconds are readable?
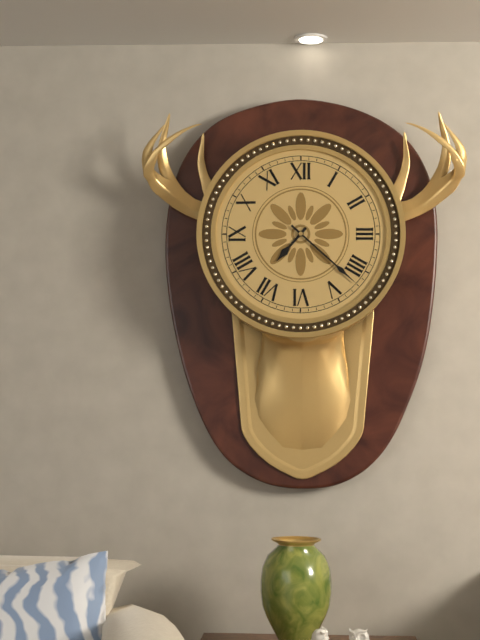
7,22
